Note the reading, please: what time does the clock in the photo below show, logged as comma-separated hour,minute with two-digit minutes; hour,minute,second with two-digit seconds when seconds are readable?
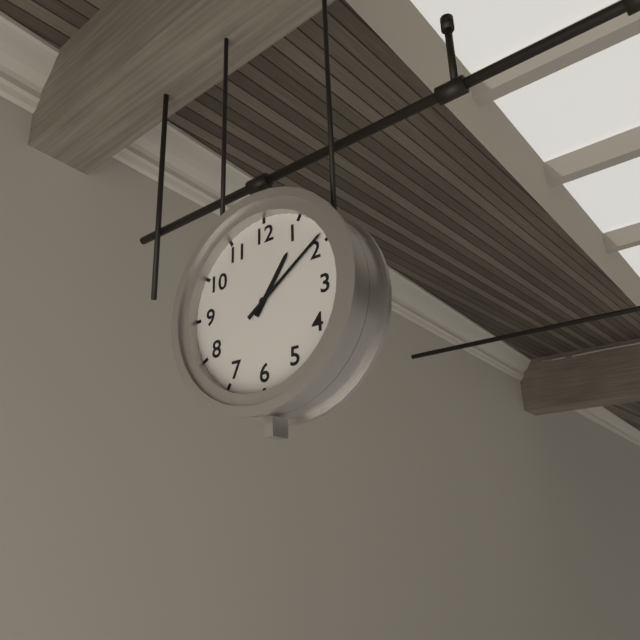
1,09
